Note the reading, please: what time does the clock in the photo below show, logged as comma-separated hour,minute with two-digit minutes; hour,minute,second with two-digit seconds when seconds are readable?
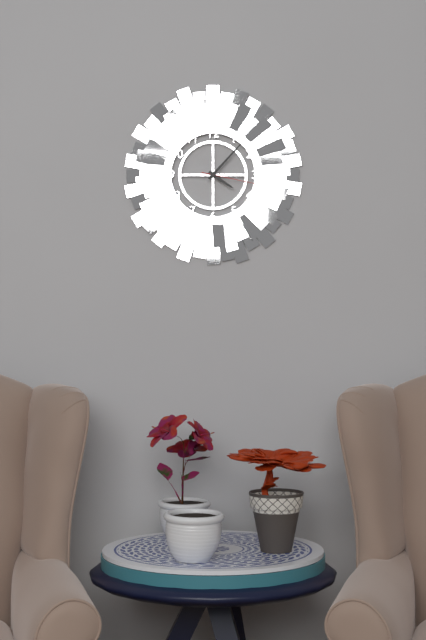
4,07,17
